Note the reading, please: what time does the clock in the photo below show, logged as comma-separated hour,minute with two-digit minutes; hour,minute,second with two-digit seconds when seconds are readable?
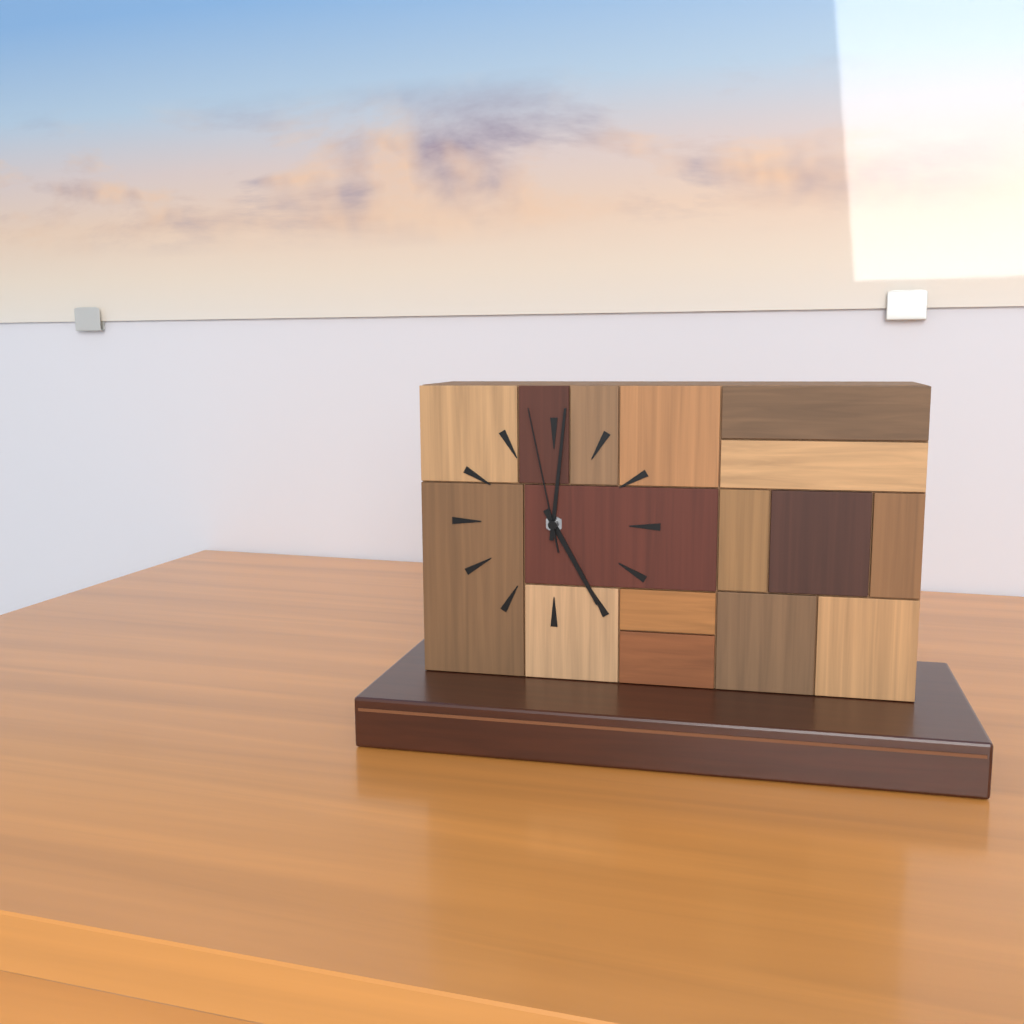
5,01,58
